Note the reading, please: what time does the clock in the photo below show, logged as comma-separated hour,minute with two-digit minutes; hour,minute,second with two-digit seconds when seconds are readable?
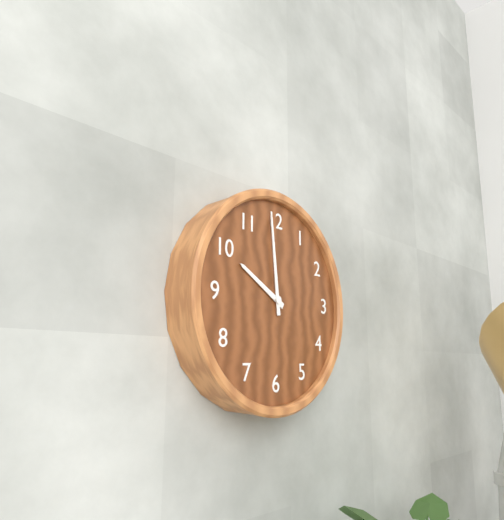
9,59
